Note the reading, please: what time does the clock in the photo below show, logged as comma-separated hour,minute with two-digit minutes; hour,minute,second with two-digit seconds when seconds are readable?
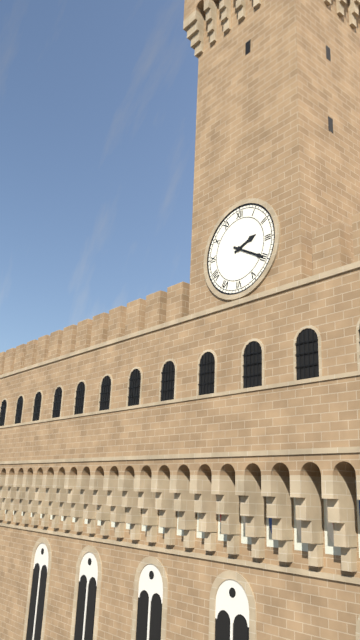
2,20
